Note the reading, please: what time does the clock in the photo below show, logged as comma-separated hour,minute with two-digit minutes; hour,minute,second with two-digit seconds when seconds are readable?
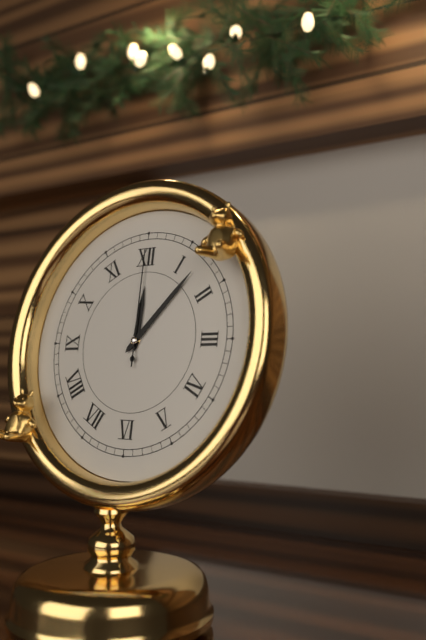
12,07,00
